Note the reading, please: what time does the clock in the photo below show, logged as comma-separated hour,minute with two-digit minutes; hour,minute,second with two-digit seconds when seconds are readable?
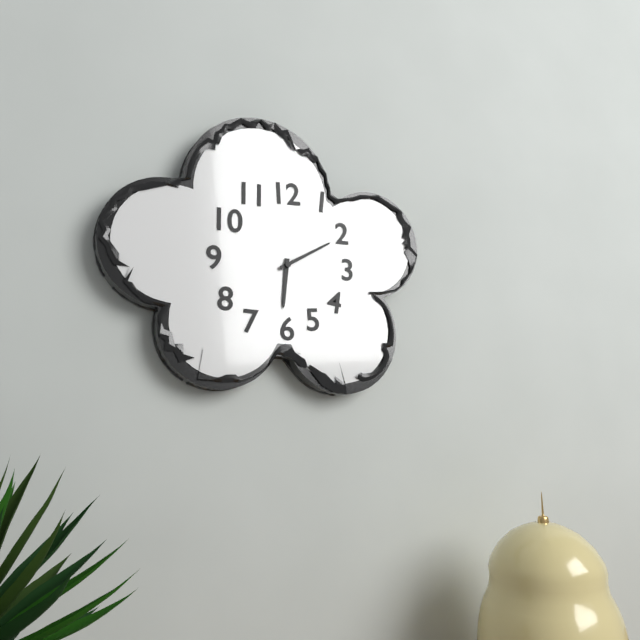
6,10
